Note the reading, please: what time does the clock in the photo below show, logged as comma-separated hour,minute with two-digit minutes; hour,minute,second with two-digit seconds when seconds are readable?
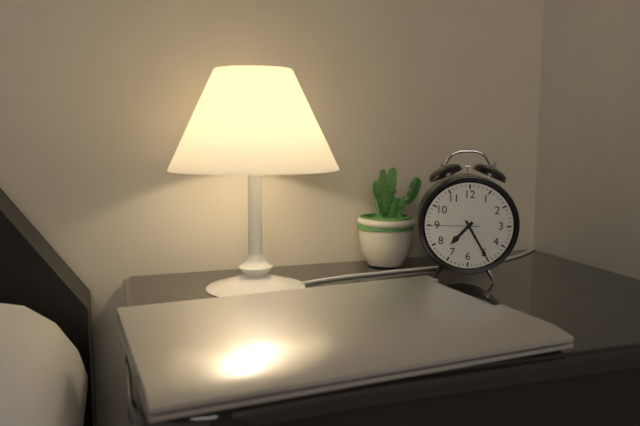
7,25
